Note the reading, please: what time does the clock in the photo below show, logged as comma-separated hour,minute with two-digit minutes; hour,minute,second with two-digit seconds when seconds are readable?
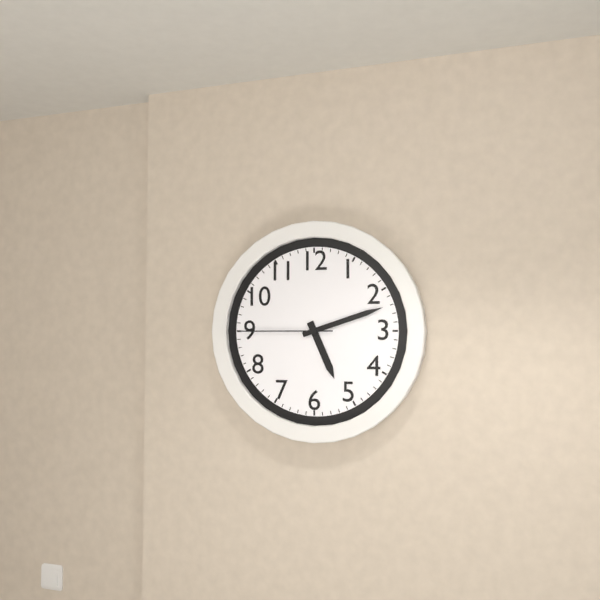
5,12,45
